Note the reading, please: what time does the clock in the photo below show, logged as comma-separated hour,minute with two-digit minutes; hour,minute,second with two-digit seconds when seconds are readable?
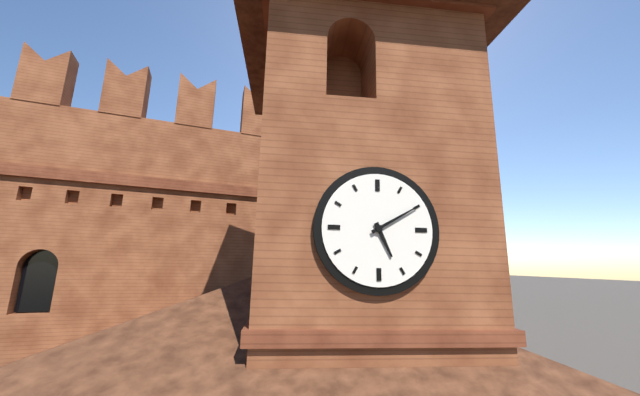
5,10
